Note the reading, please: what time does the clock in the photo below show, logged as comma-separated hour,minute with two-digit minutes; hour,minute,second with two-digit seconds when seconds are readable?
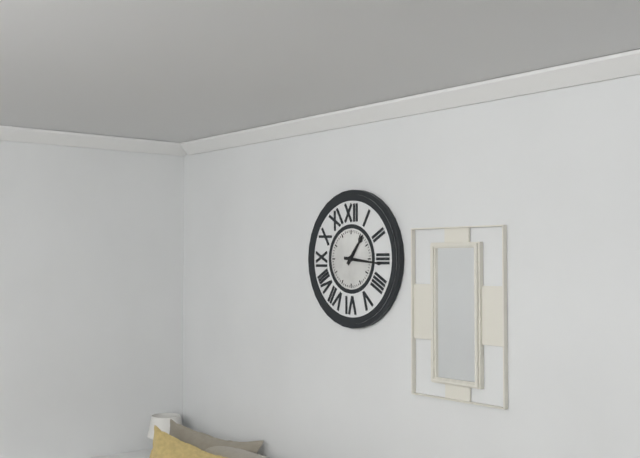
1,16
